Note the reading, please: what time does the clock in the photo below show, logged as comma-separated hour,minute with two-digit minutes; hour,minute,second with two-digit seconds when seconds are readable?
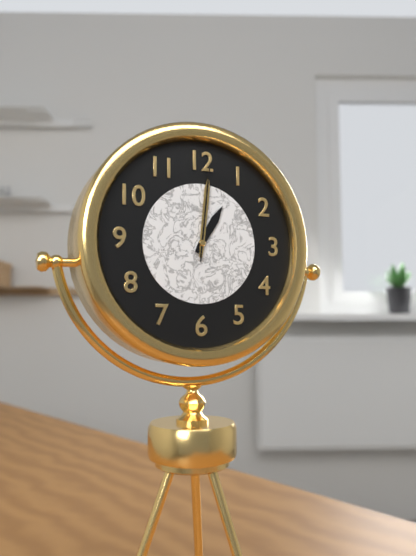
1,01,01
